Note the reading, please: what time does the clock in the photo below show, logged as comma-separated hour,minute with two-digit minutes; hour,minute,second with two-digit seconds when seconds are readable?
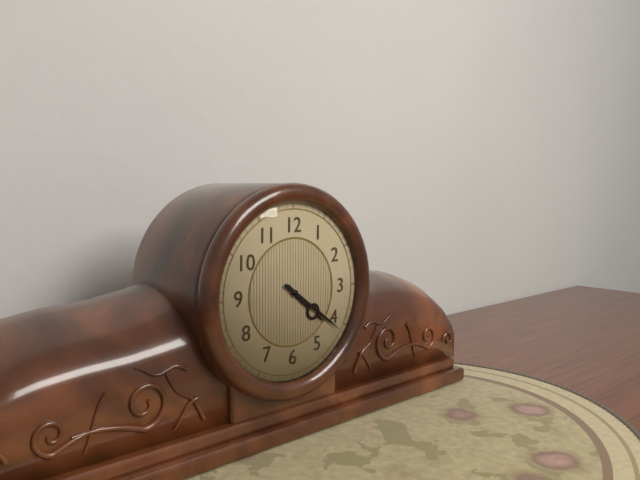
4,21
